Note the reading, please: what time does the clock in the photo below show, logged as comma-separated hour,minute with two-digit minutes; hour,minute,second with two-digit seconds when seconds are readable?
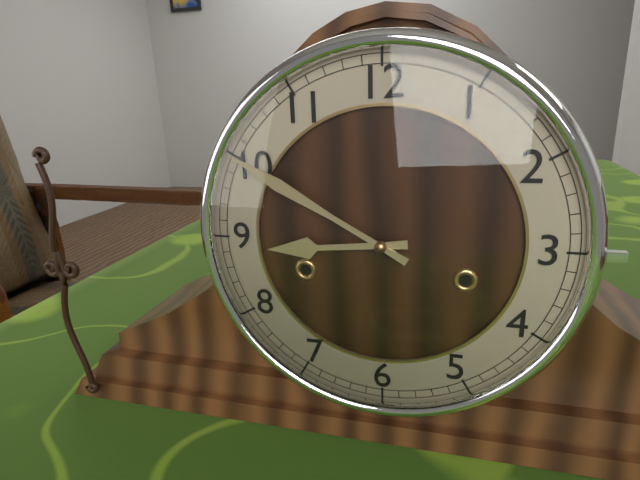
8,50
